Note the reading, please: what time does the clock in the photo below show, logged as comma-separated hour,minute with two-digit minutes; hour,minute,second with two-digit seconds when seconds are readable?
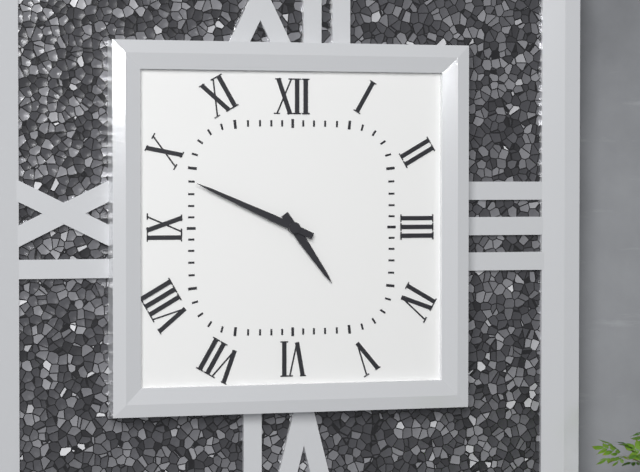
4,49
